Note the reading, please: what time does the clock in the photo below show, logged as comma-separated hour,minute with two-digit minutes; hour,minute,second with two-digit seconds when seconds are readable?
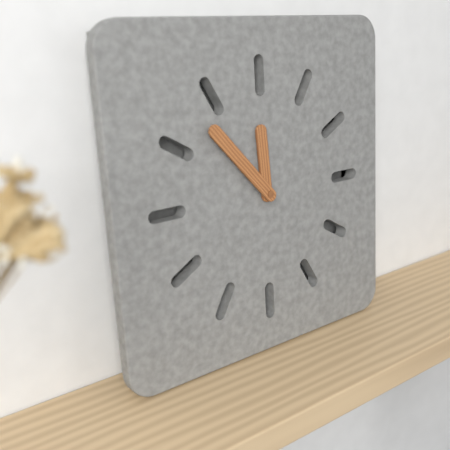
11,53
